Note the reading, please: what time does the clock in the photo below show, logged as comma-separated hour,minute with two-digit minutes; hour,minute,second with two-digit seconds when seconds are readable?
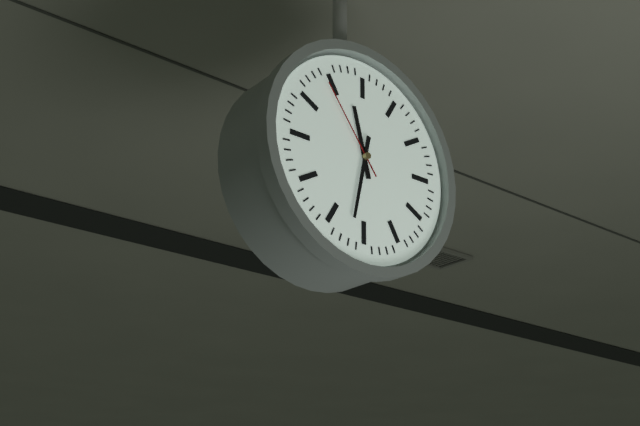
11,32,54
